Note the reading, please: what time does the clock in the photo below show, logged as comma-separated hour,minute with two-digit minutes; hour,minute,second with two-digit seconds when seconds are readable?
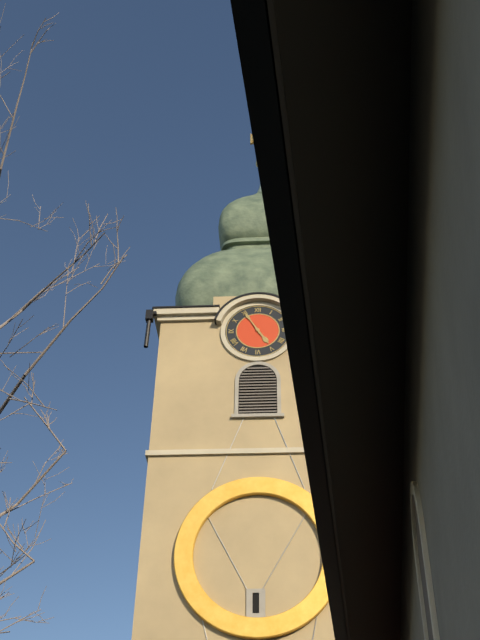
4,55
